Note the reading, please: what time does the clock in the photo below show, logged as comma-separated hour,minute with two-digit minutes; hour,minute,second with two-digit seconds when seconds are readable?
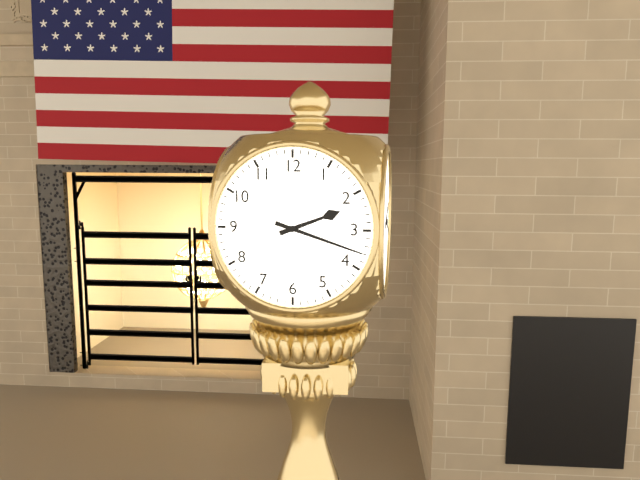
2,18
